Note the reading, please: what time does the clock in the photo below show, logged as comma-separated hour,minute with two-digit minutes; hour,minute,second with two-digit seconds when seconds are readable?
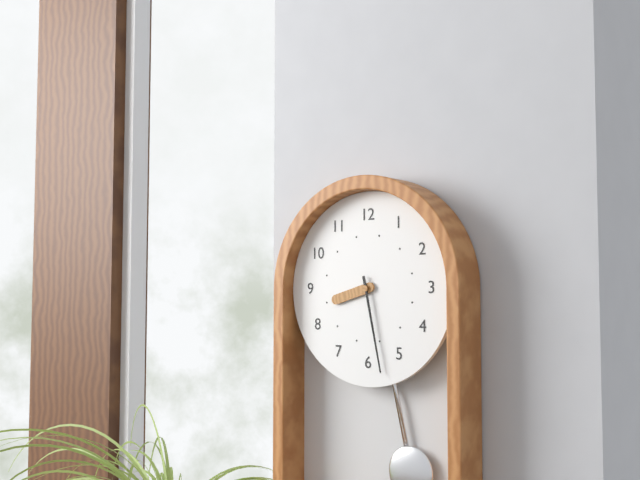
8,28
